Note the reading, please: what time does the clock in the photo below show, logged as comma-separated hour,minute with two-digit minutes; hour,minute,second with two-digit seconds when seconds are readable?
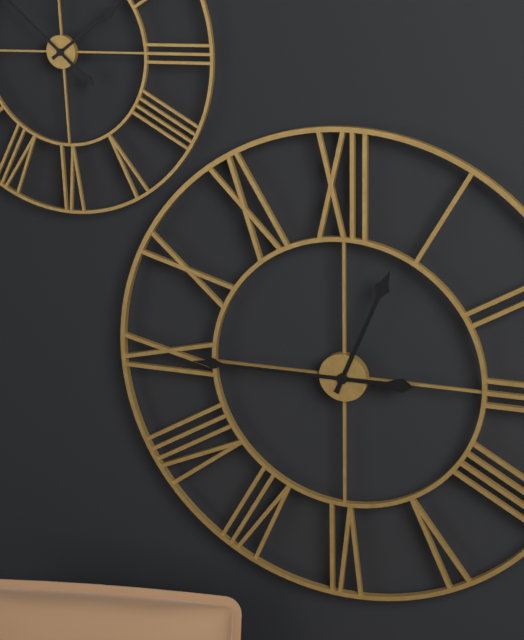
12,45
